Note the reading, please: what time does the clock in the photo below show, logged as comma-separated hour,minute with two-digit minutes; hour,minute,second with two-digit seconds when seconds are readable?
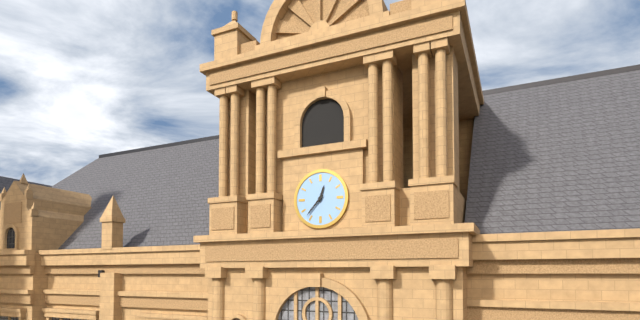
12,37
